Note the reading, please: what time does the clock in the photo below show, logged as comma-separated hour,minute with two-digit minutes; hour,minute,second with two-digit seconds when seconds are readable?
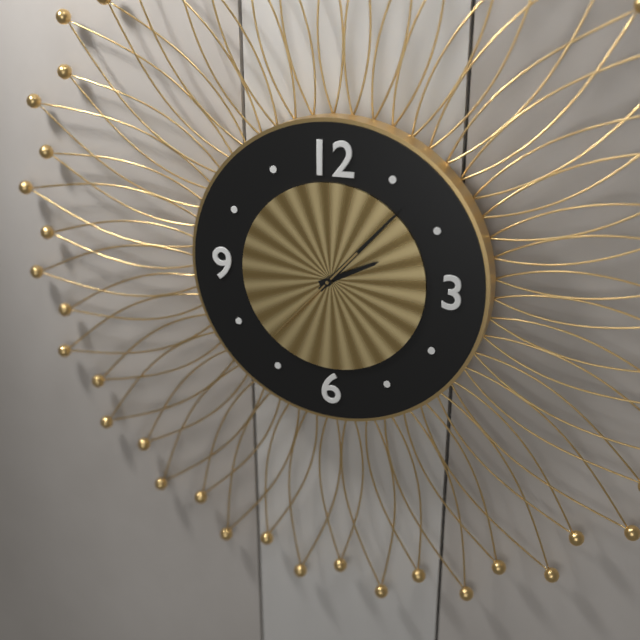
2,07,37
